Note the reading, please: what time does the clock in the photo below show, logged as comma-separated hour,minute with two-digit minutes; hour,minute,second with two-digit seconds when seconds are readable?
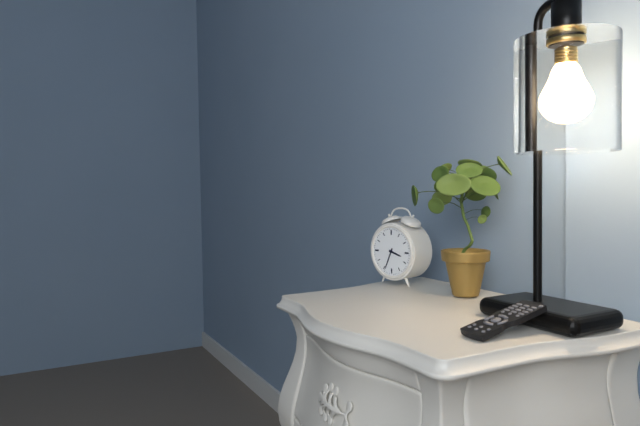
3,34
